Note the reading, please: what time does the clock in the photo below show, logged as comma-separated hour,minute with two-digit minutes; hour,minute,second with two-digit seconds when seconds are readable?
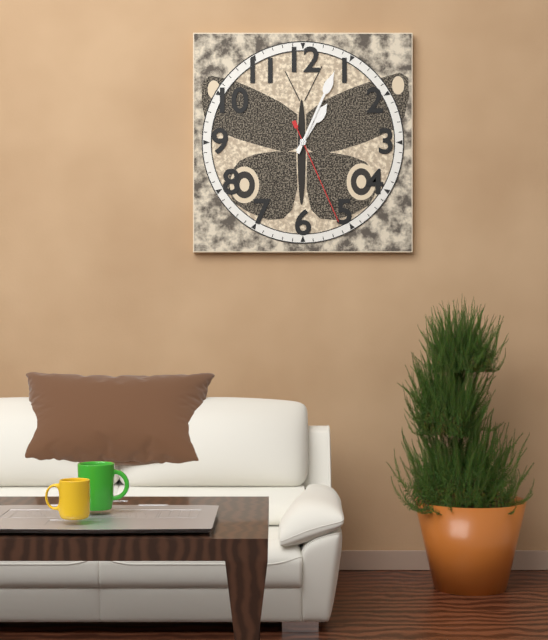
1,04,26
